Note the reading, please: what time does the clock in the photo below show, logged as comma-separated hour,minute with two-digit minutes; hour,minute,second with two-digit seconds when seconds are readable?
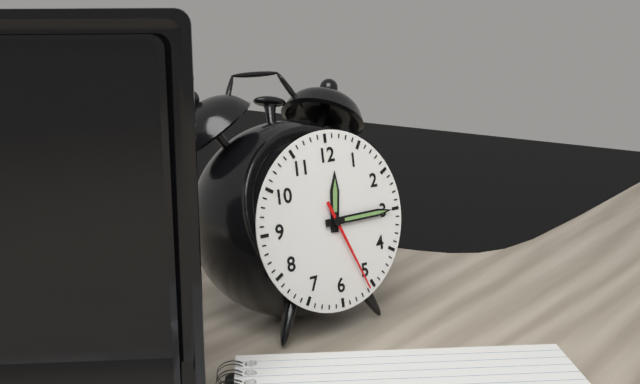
12,15,26
